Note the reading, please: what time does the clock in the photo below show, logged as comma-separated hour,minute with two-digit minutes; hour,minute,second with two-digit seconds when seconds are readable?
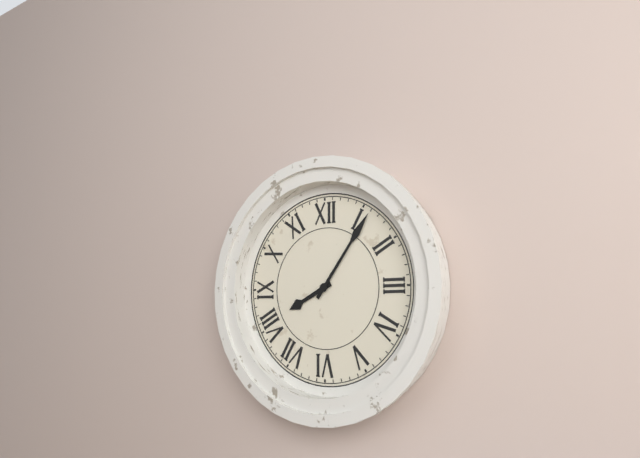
8,06
